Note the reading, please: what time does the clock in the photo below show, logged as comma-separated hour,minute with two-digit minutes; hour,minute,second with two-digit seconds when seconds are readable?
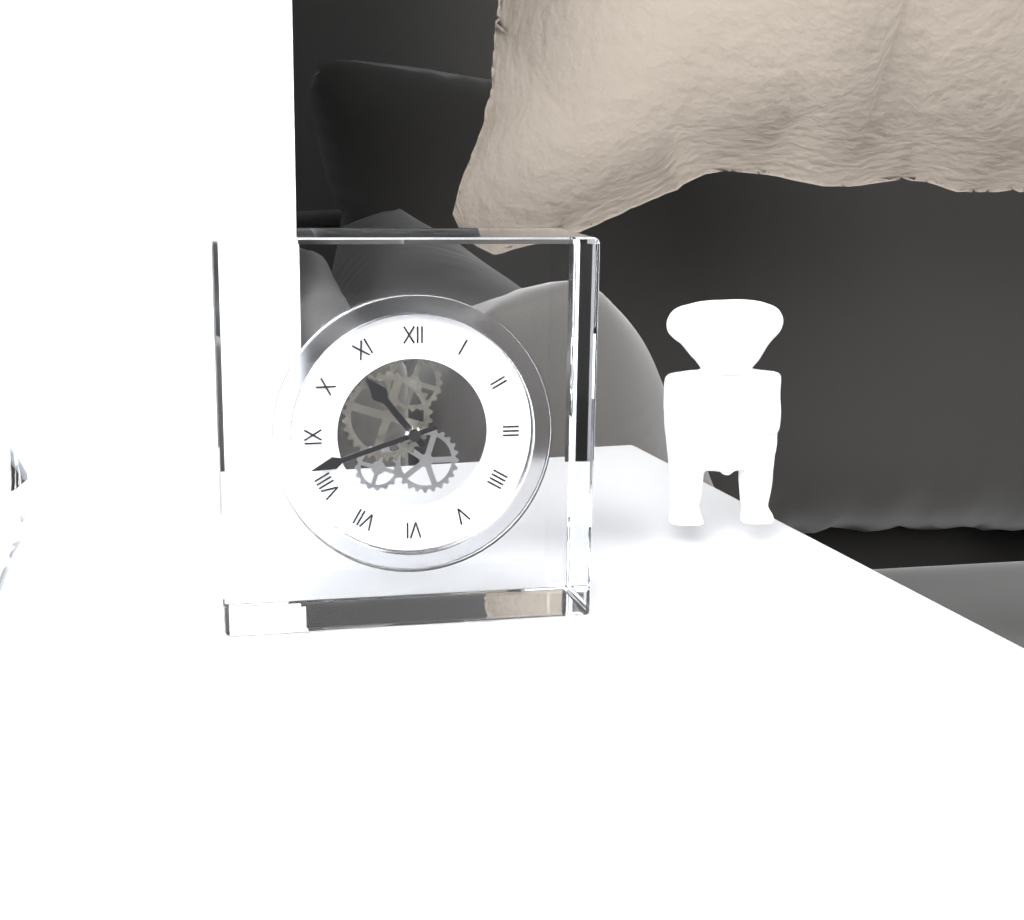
10,42
